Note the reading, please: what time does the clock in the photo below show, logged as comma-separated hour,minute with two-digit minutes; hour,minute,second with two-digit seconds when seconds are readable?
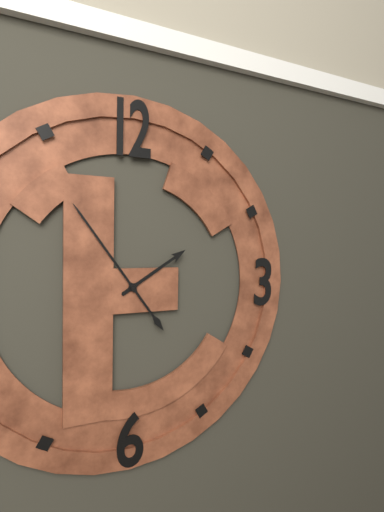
1,54
